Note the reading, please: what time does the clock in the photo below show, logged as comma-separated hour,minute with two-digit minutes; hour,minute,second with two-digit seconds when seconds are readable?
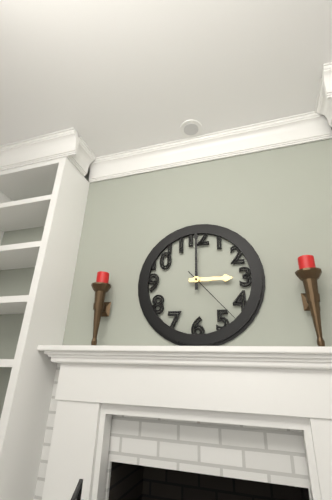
3,00,23
